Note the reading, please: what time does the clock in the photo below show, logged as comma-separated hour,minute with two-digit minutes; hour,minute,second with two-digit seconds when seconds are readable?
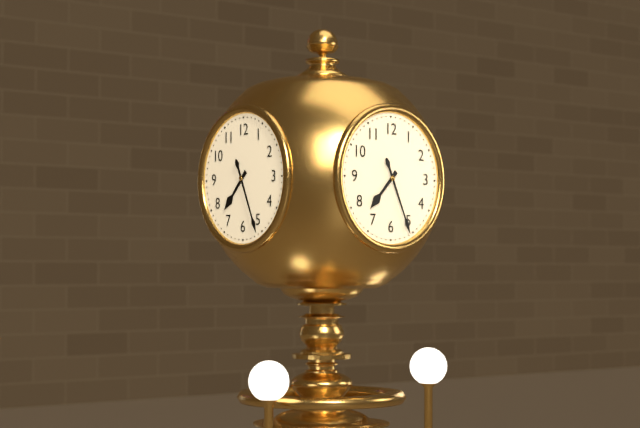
7,26
